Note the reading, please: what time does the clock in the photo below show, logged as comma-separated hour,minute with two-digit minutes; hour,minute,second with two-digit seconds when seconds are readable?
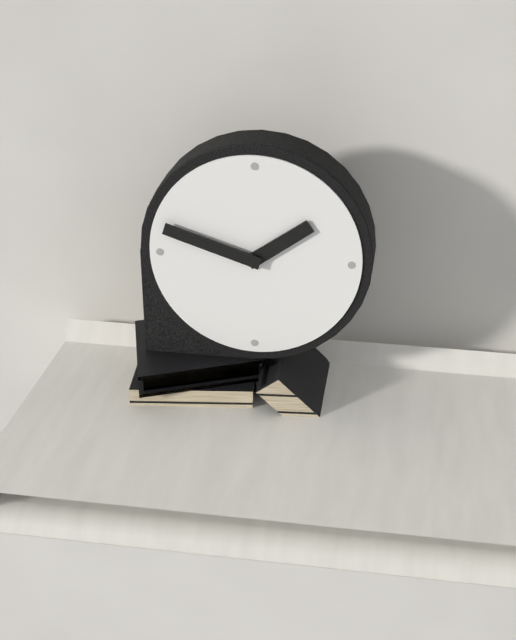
1,48
